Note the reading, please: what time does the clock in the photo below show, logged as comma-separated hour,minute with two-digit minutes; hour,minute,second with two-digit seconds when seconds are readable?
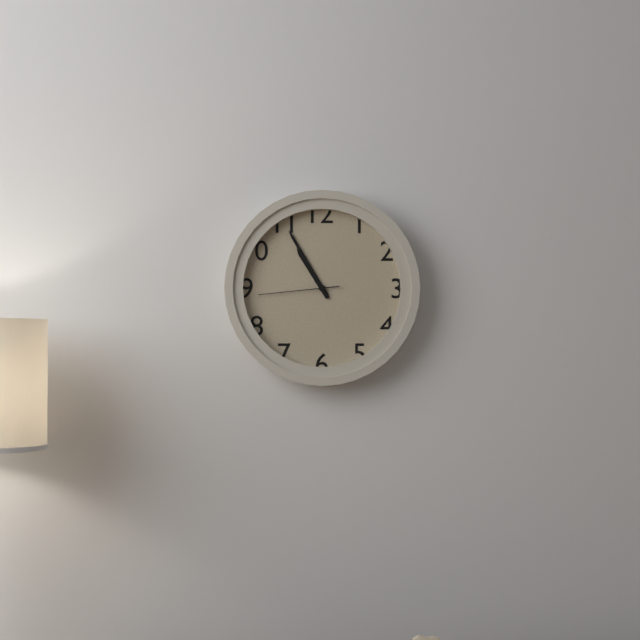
10,55,44
